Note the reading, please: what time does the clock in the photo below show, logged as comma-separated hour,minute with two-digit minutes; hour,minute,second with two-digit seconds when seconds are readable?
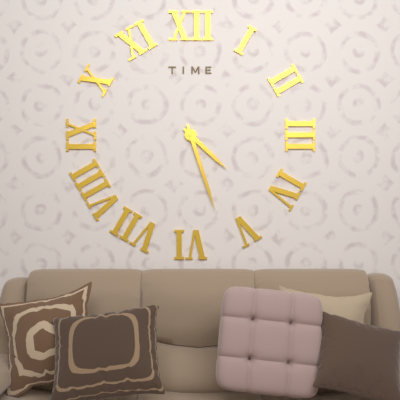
4,27
